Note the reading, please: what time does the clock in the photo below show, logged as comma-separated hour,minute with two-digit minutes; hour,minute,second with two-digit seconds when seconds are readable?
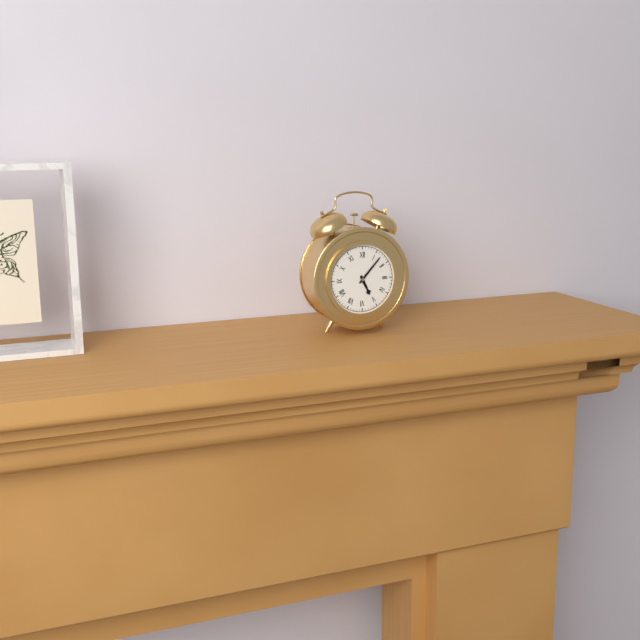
5,07
